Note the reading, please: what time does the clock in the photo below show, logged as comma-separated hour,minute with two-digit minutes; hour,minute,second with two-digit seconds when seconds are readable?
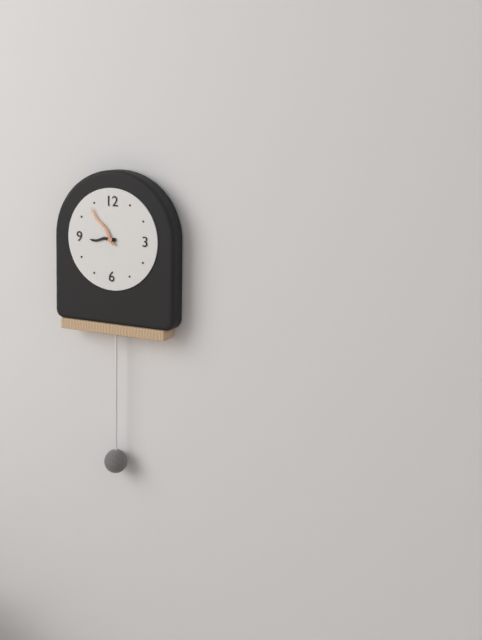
8,54
